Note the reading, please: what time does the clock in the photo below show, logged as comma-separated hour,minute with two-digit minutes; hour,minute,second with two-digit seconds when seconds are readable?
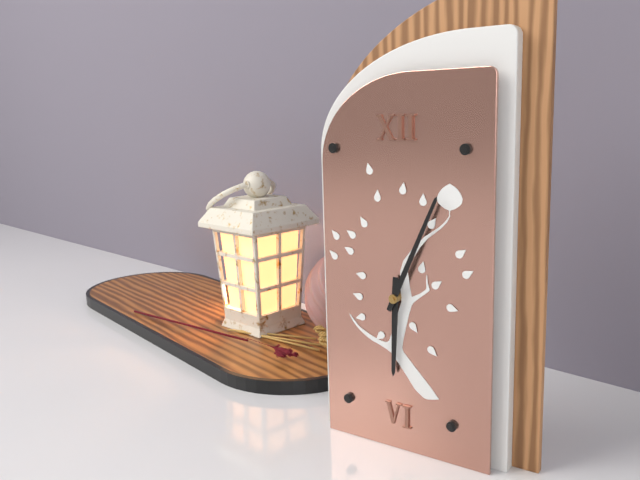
6,04
